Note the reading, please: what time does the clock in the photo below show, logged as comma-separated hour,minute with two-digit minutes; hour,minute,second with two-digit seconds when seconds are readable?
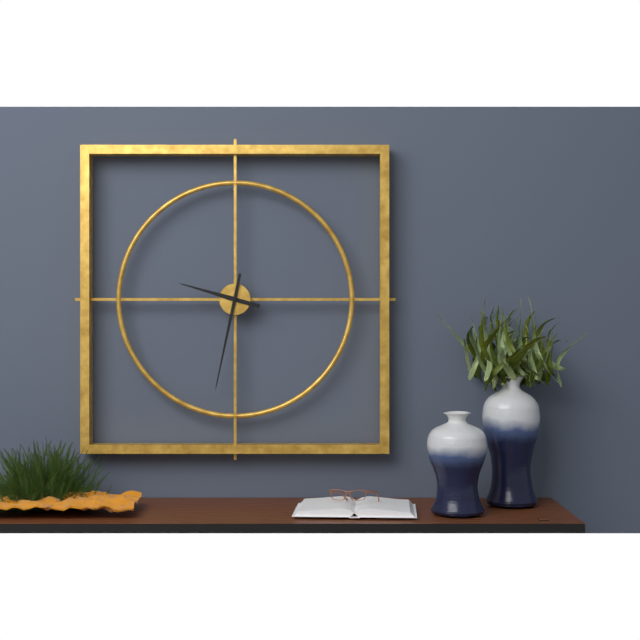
9,32
